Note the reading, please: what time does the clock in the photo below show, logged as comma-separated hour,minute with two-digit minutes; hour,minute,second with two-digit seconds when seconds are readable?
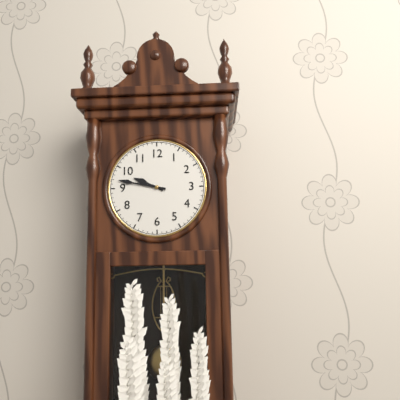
9,47
